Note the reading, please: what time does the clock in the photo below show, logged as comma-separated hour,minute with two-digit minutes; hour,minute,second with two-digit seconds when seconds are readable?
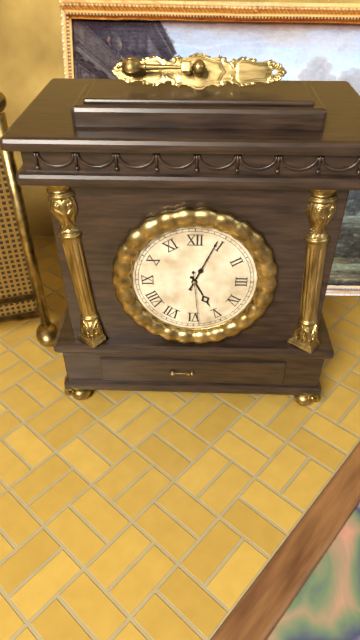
5,04,29
